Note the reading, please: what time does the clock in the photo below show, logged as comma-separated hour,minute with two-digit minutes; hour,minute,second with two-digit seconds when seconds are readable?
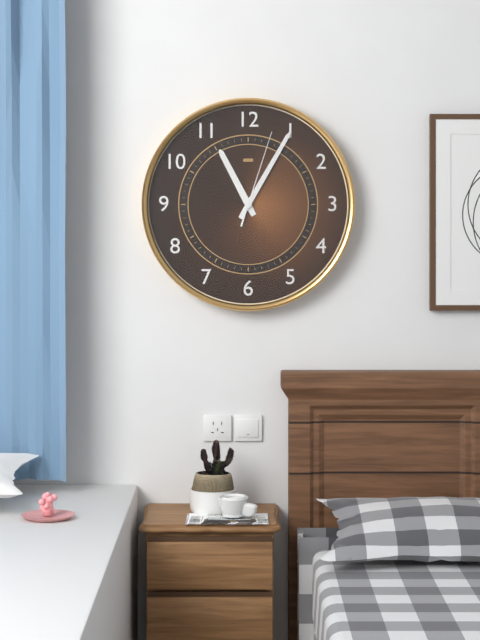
11,05,03
